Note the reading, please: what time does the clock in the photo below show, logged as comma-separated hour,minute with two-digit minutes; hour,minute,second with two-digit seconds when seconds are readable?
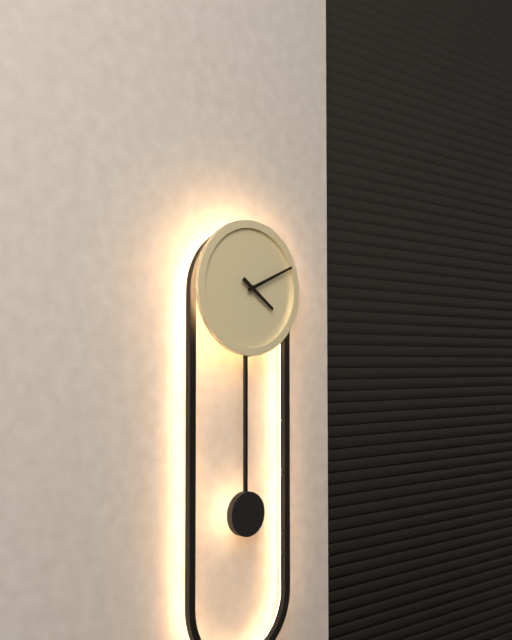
4,11
